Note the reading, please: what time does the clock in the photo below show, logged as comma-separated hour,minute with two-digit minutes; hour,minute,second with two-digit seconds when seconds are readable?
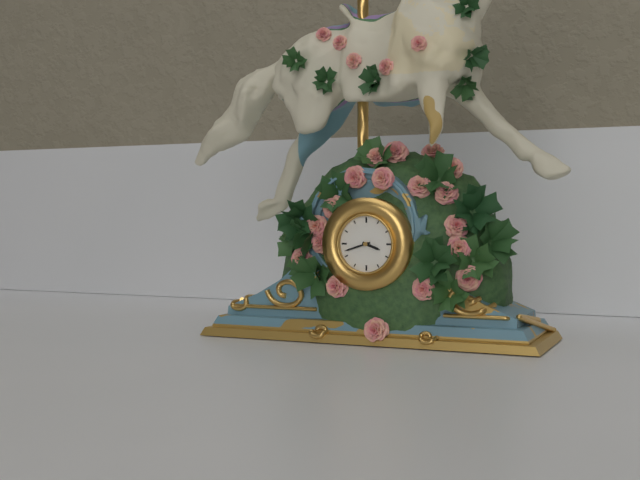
3,42
